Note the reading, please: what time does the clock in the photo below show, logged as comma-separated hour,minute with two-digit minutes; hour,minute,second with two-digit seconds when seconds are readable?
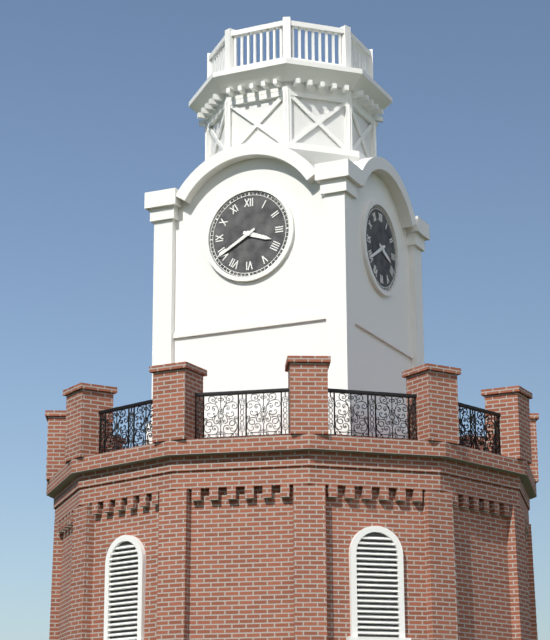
3,40
